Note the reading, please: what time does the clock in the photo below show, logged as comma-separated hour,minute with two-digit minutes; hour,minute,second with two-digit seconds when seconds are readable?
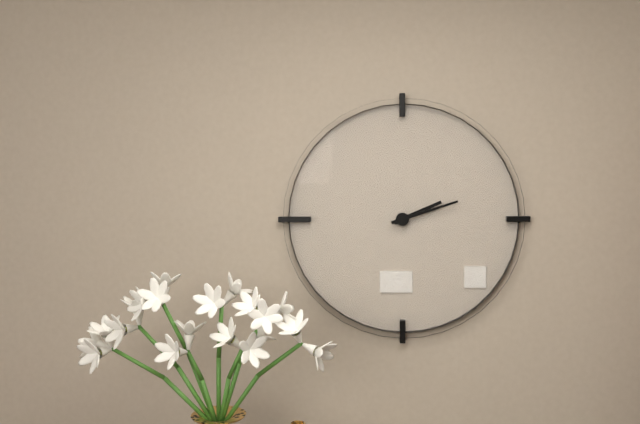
2,12
